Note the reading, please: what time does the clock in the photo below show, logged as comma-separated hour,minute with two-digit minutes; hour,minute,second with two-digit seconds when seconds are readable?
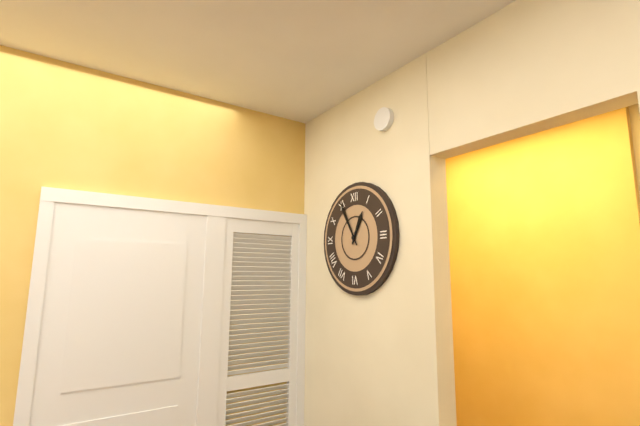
12,55
